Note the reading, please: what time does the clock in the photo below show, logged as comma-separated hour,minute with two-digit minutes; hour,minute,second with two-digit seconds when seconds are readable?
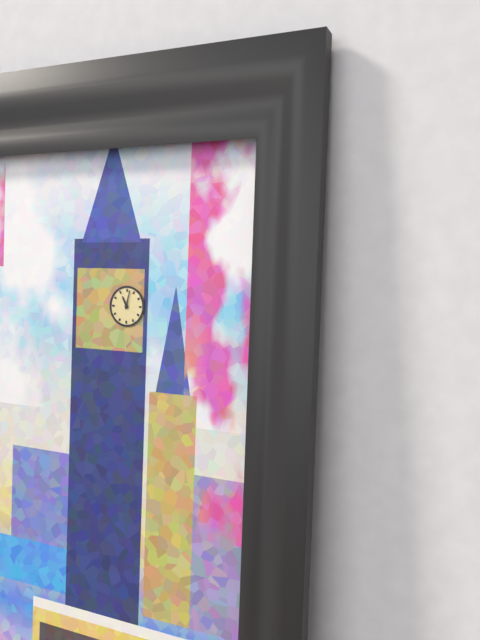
11,02
